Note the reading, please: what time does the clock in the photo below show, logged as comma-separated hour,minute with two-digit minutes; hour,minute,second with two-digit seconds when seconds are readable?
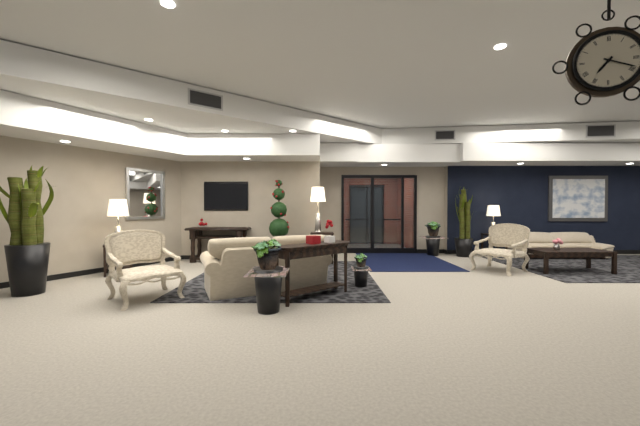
7,19
